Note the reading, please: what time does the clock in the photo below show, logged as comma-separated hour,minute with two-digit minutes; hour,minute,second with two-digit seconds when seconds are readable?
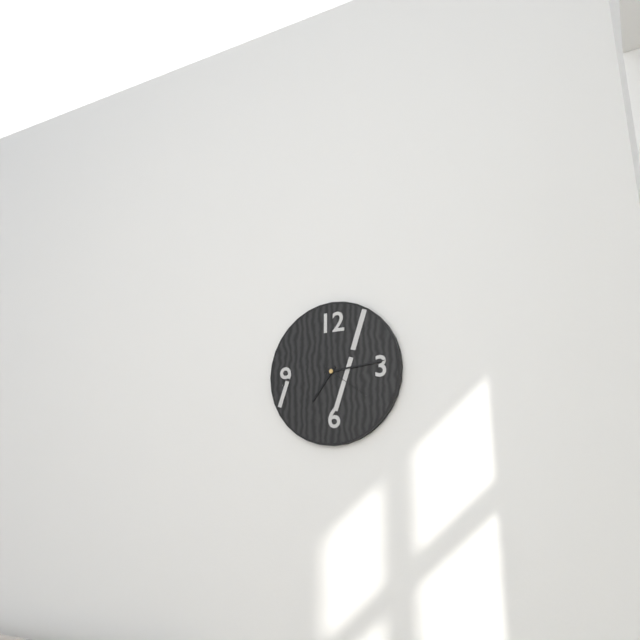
7,14,21
